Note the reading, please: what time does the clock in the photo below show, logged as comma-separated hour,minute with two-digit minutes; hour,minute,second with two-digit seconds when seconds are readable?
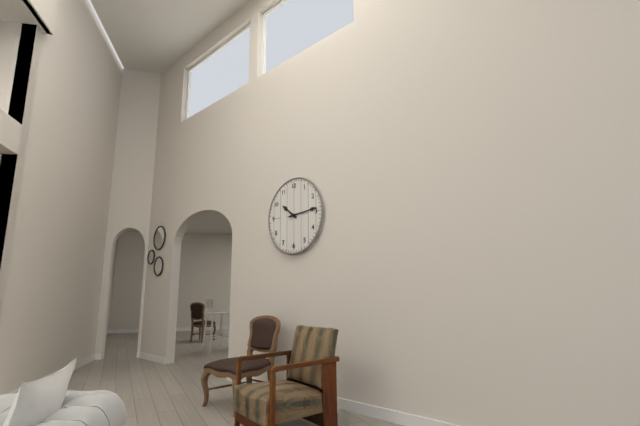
10,14
